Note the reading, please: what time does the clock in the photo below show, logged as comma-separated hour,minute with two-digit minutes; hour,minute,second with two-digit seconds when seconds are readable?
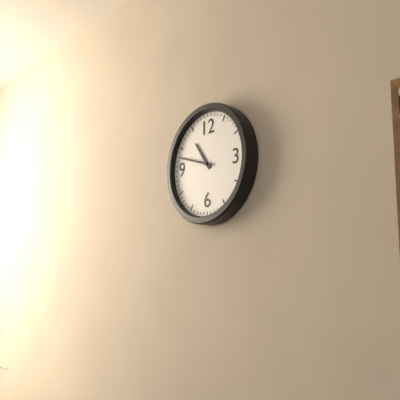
10,48
